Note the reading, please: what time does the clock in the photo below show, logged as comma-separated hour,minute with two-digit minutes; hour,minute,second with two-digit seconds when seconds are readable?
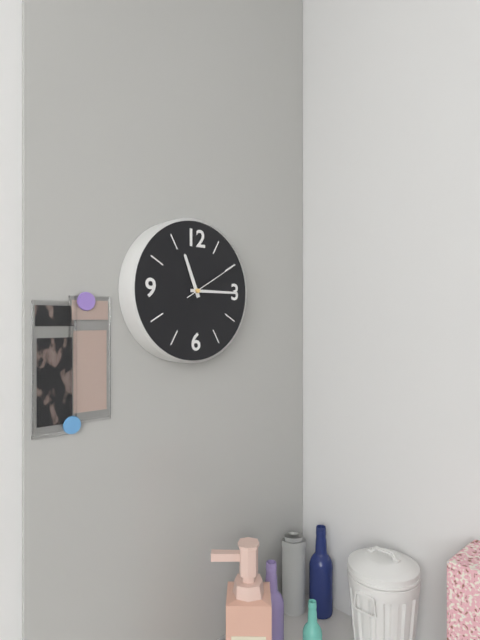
11,15,10
